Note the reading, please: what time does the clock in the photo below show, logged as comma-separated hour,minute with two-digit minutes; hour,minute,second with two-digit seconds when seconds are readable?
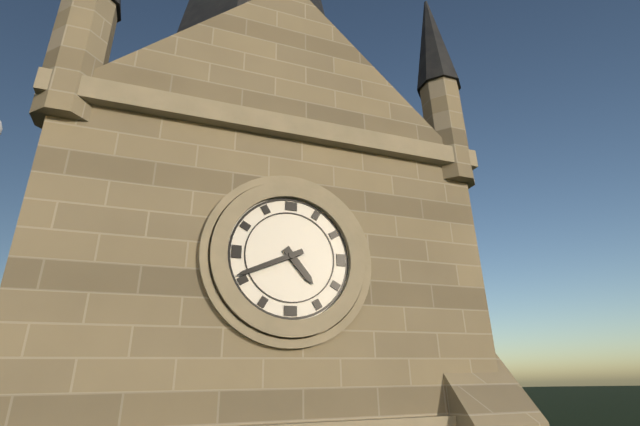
4,41
